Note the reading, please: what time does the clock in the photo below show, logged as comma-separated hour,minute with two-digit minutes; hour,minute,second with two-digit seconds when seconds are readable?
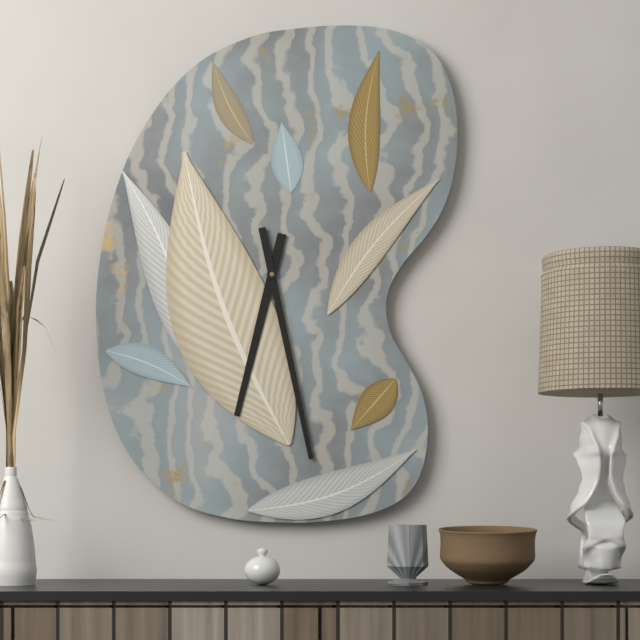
6,28
